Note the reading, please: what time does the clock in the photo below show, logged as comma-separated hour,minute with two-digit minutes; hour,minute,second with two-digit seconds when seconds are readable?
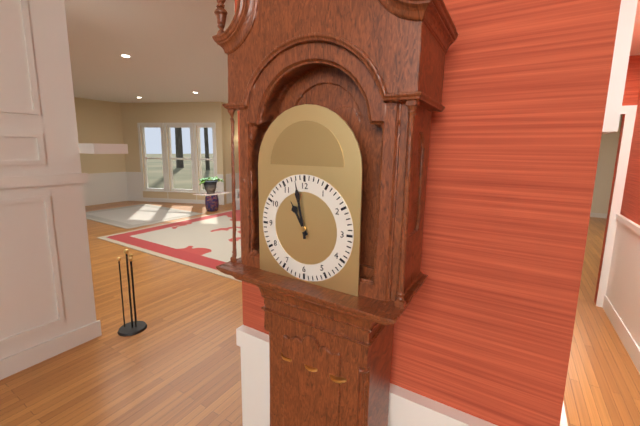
10,58
